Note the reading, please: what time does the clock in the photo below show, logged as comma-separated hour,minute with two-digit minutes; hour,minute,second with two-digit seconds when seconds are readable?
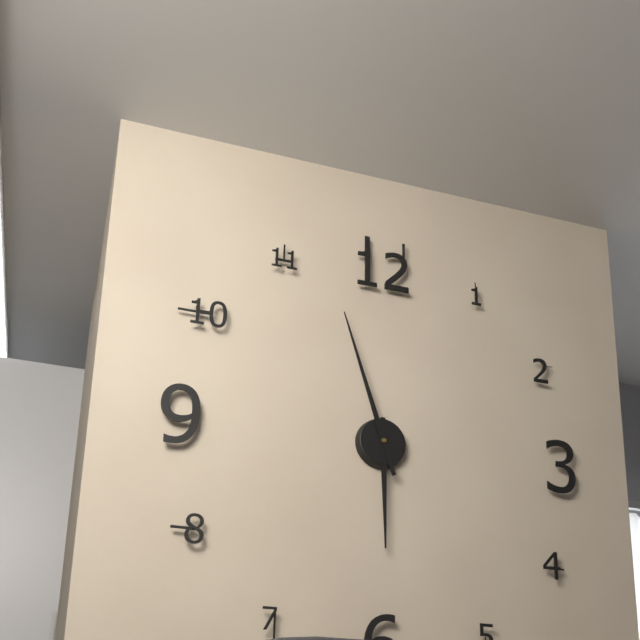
5,57
